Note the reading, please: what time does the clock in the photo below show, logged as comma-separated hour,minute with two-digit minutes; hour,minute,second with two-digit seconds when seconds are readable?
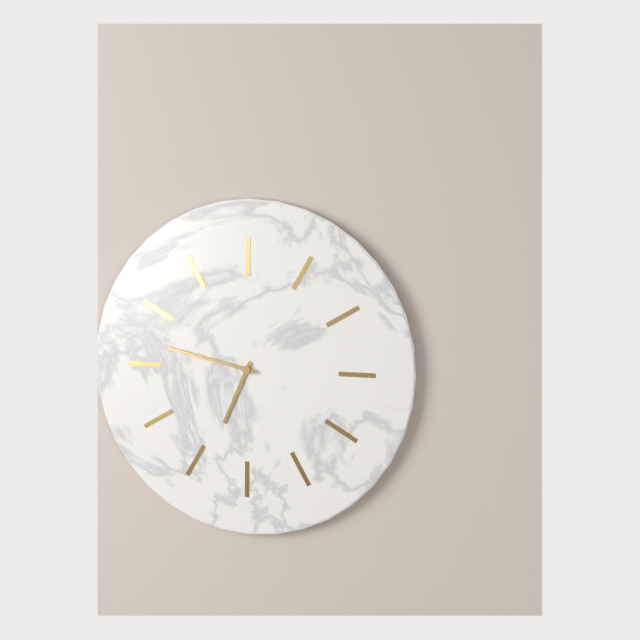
6,47
